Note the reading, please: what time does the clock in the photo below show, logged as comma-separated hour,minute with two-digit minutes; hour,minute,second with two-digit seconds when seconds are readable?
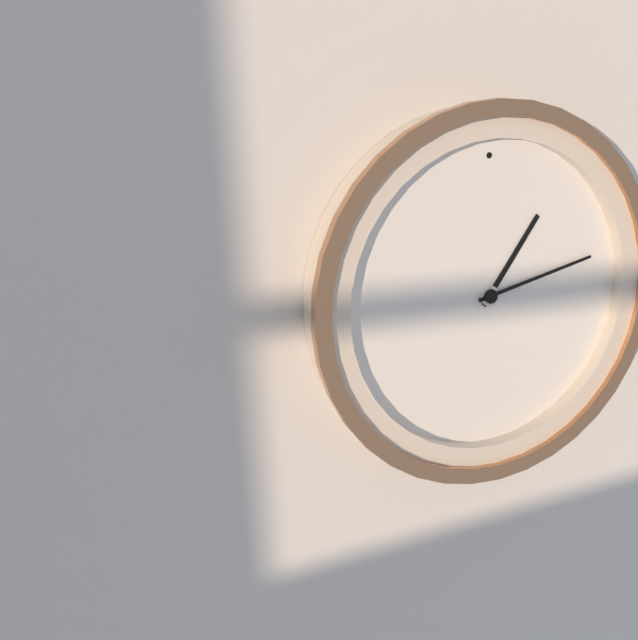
1,13
